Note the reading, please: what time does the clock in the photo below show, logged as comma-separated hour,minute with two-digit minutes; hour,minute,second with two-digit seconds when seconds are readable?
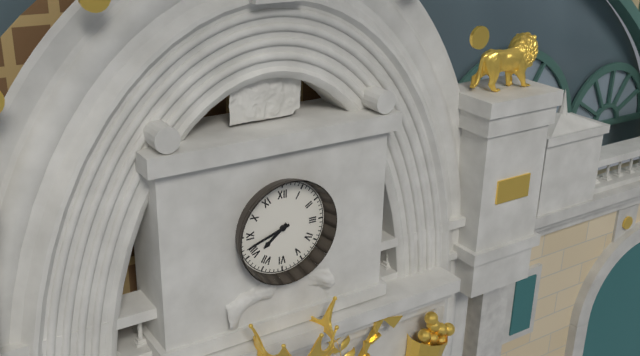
7,42
